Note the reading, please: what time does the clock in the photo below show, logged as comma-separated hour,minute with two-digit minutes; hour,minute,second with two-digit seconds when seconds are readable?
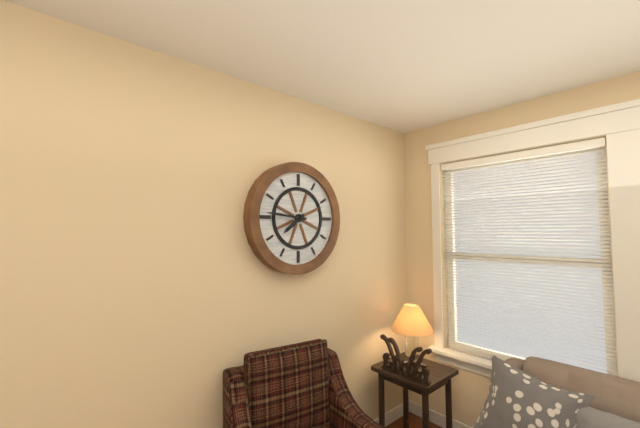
7,46
